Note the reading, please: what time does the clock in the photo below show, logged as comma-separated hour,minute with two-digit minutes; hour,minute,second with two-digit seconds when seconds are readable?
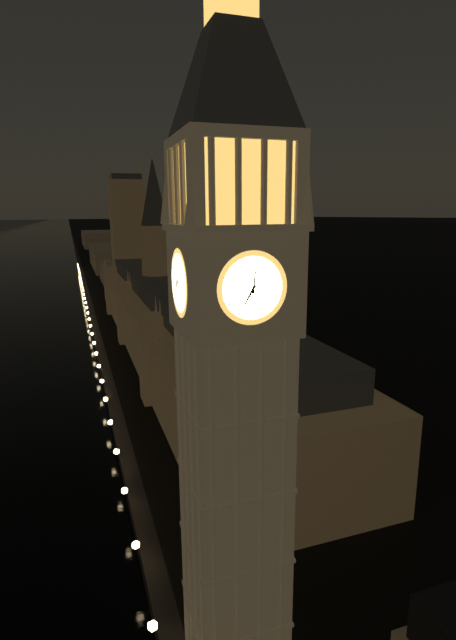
7,01
